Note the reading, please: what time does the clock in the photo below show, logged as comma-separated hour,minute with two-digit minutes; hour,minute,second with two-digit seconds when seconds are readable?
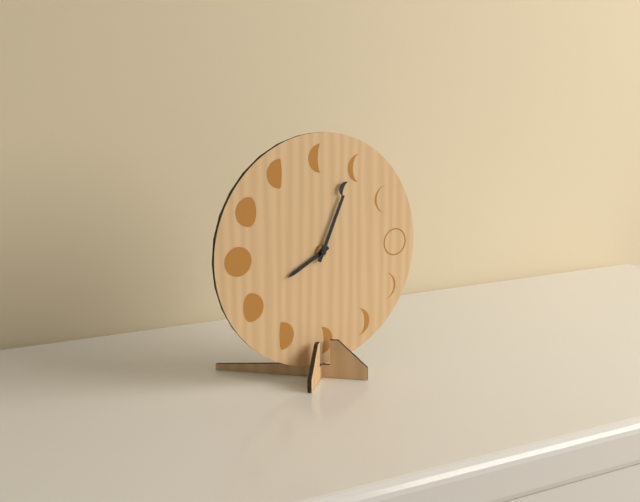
8,04
